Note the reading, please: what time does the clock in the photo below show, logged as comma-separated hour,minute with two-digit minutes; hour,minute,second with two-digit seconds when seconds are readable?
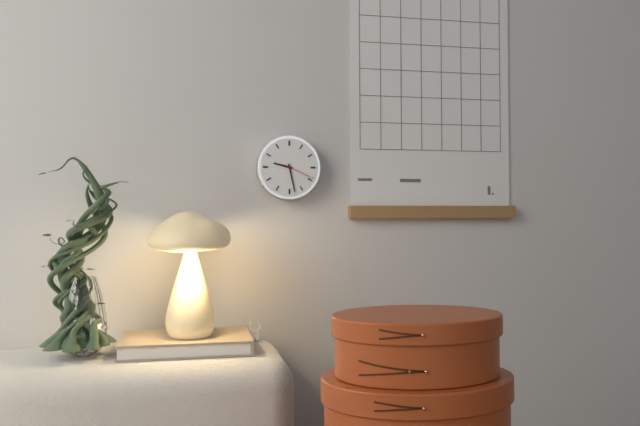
9,28
